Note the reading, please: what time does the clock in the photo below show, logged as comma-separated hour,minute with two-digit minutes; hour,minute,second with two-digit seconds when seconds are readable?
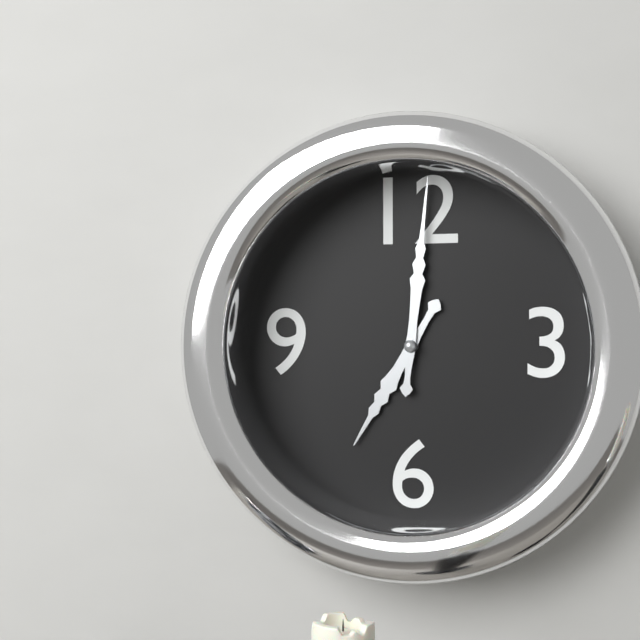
7,01
